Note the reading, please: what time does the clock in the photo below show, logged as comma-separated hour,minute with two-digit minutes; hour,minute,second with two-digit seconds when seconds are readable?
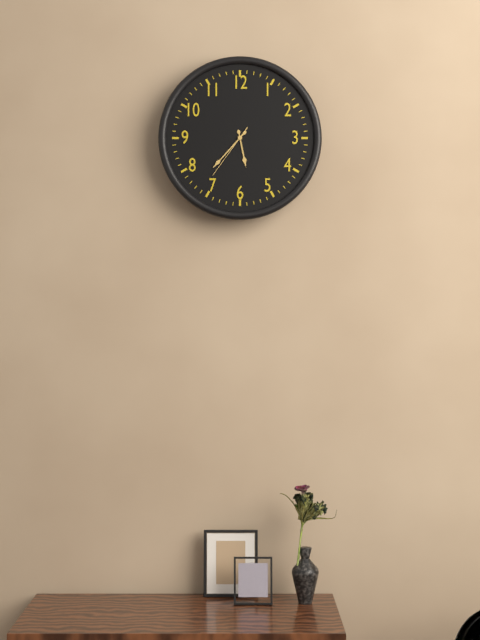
5,37,36
